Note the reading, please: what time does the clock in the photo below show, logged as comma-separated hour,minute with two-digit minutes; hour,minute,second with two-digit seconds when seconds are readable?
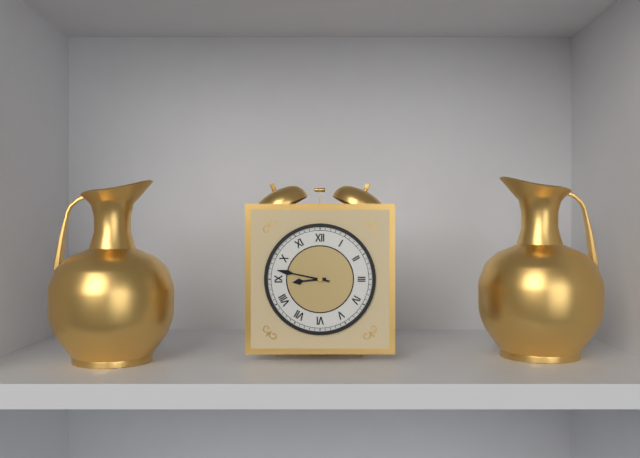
8,47
